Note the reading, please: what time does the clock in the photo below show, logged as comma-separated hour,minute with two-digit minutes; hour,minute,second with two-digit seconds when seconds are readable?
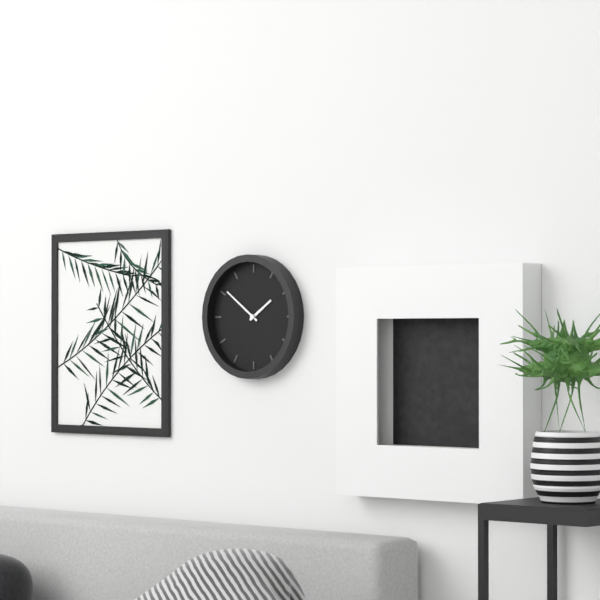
1,51
